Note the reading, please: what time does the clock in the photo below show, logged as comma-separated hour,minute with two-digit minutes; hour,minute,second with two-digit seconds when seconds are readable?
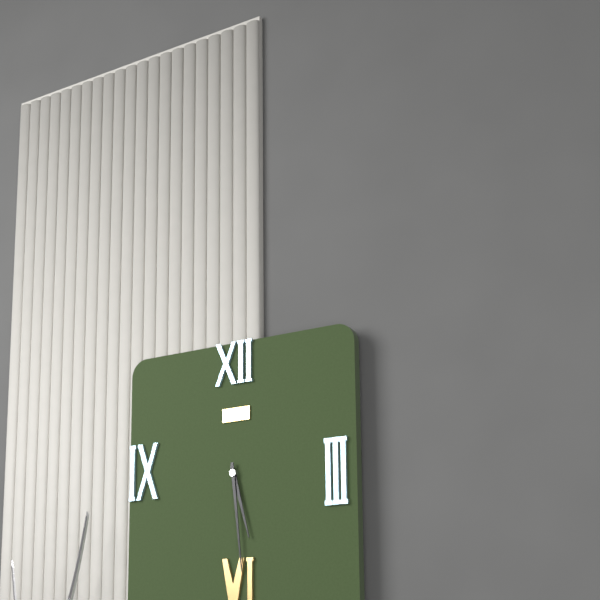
5,29
